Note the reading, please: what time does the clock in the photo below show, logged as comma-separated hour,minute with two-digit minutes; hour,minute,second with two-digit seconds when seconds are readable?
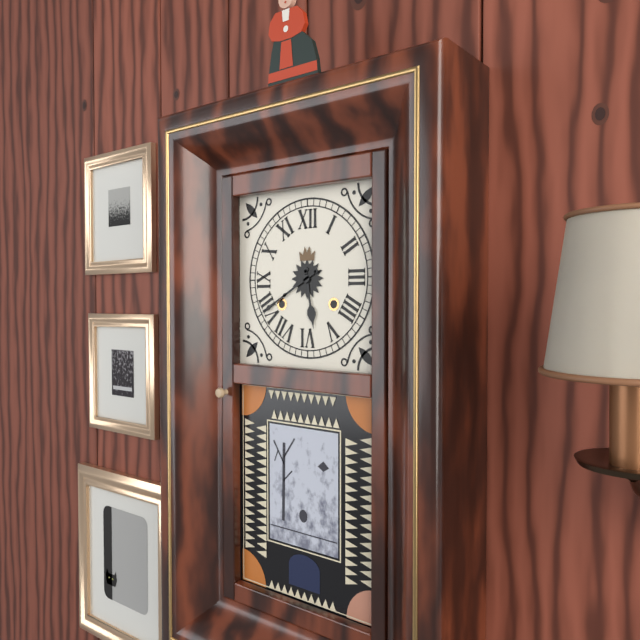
5,40
